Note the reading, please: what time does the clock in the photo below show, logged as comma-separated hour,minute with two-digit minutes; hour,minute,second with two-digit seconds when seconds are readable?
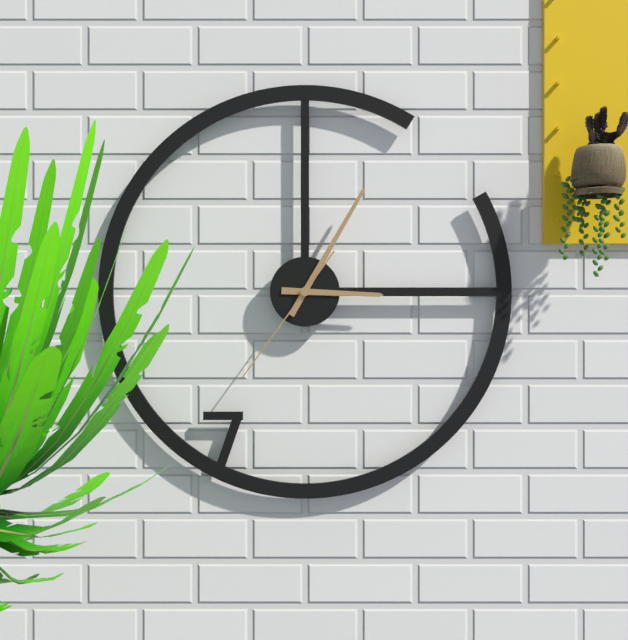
3,05,36
